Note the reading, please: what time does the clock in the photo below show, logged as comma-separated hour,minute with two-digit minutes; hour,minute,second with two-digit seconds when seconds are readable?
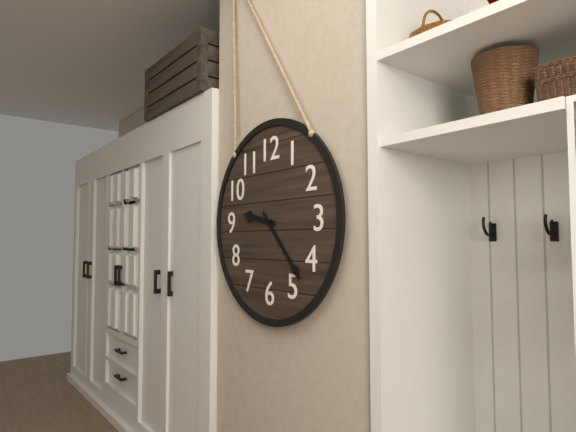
9,23
